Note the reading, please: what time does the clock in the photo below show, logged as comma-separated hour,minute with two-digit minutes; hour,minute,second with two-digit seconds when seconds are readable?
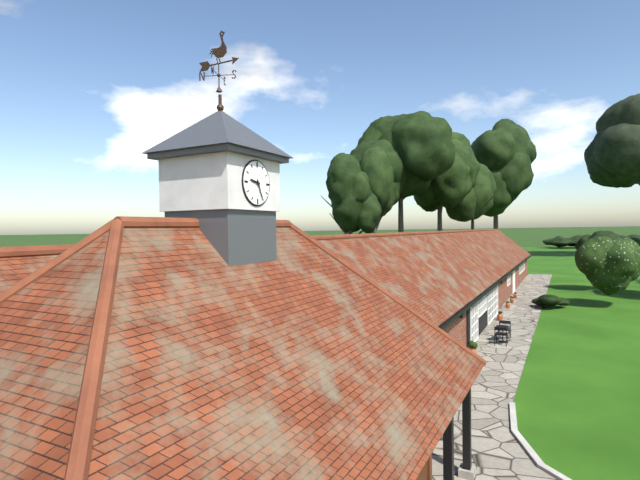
9,26
